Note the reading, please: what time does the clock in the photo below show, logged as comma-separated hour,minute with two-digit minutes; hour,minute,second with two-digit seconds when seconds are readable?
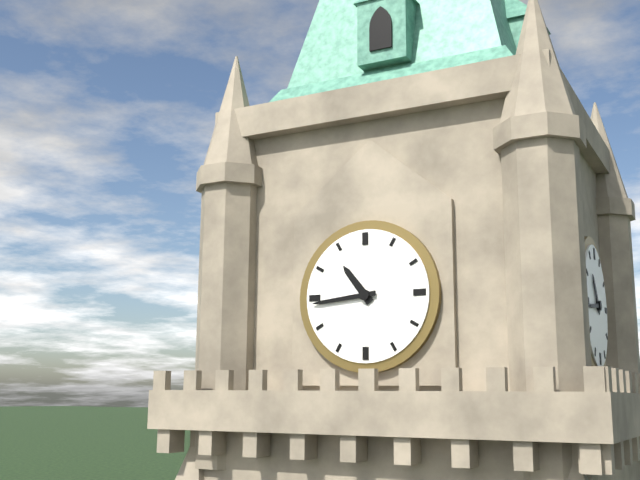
10,44
